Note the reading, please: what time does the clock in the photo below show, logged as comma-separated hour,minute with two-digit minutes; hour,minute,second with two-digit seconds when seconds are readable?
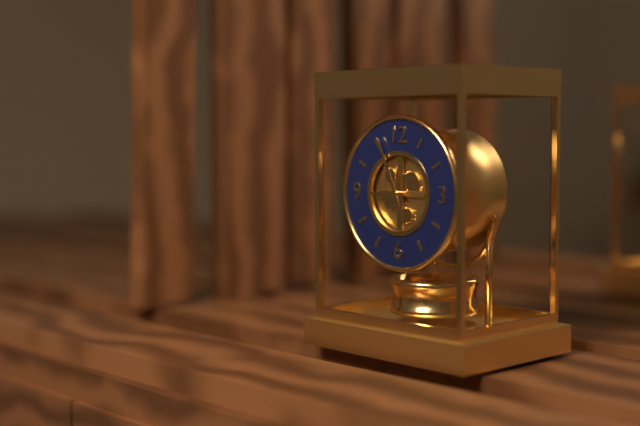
8,56
